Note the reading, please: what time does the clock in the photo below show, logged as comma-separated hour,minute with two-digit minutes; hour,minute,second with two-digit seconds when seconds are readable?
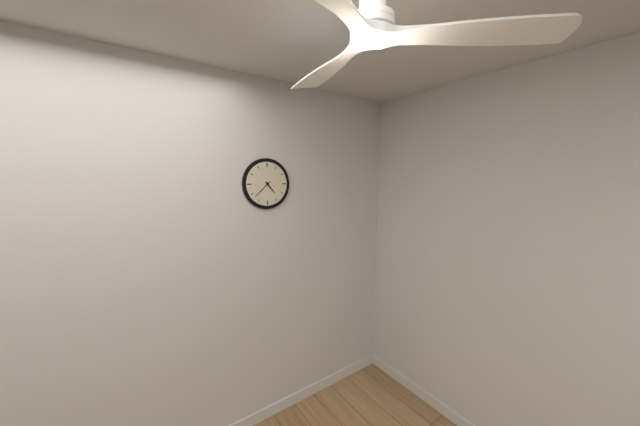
4,38
